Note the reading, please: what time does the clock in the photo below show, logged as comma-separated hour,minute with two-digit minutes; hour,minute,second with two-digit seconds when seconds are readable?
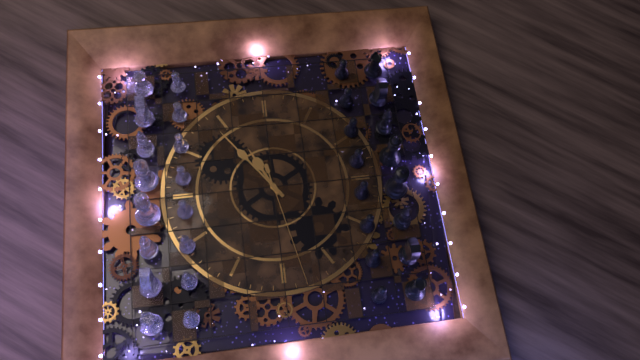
2,09,43
